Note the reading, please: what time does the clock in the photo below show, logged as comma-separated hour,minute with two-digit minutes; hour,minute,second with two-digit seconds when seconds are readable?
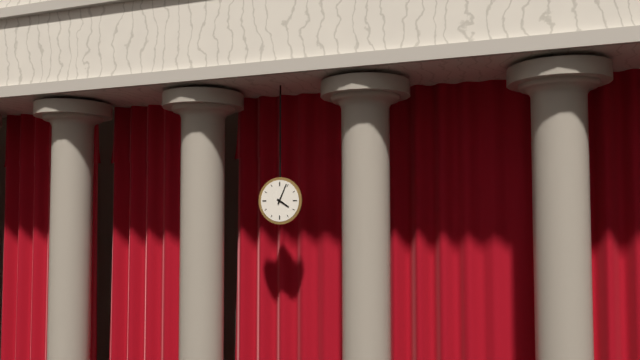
4,04
